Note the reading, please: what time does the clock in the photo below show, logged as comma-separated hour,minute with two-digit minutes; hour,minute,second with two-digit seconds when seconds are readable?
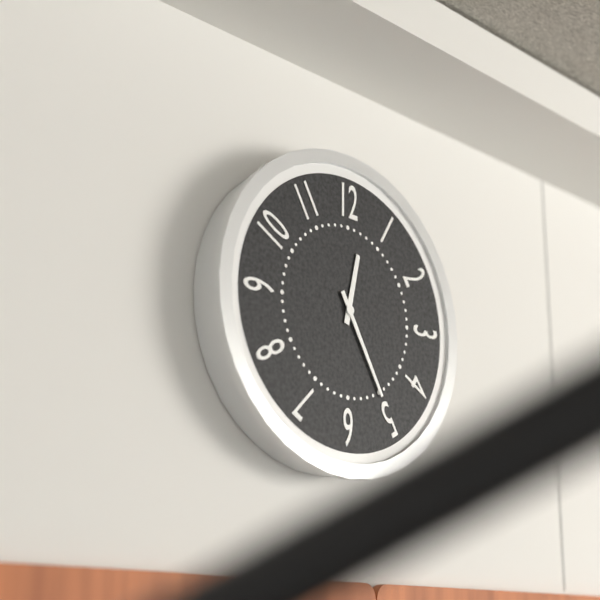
12,25
